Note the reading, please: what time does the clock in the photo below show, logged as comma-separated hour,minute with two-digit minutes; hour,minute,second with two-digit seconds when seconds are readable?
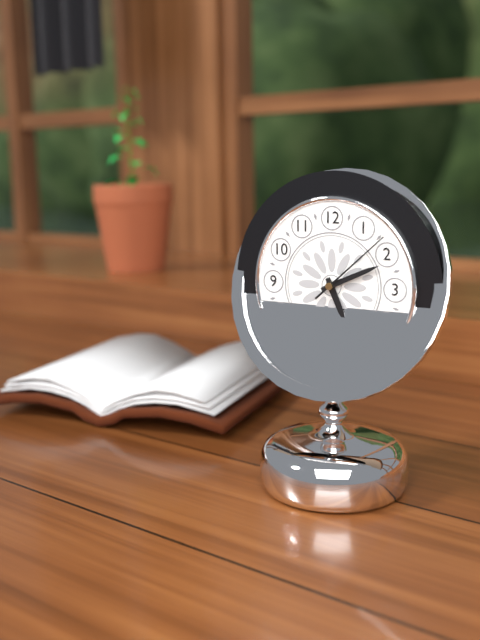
5,11,08
